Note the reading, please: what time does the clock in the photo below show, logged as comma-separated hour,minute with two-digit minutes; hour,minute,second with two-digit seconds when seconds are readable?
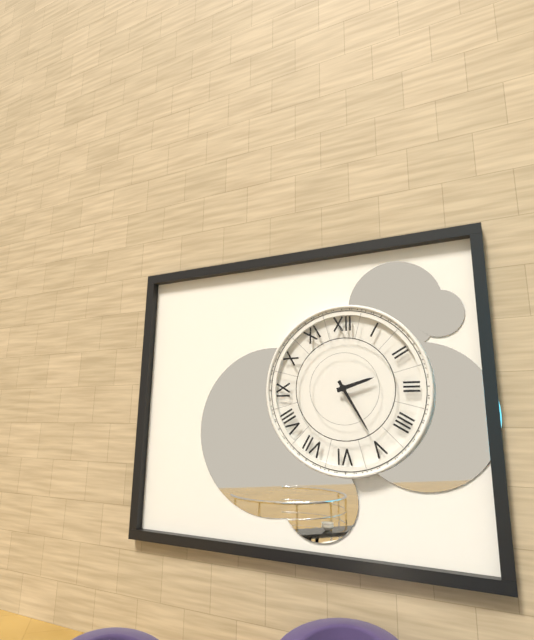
2,25
